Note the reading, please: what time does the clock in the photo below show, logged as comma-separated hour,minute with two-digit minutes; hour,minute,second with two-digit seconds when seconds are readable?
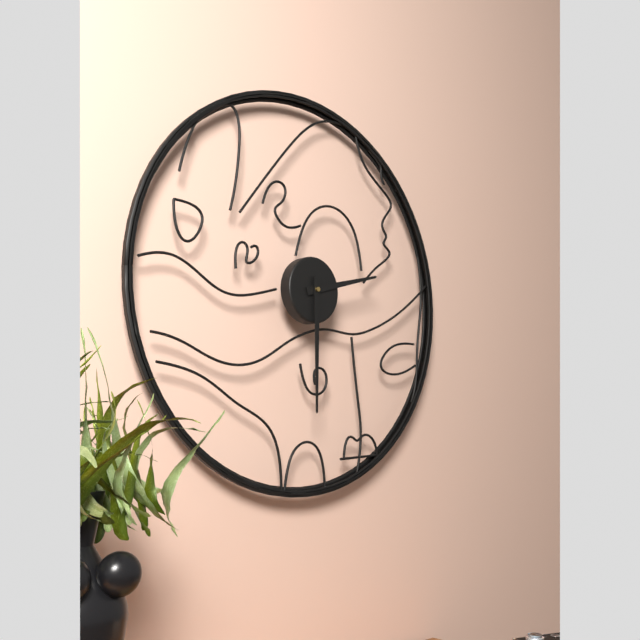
2,30
